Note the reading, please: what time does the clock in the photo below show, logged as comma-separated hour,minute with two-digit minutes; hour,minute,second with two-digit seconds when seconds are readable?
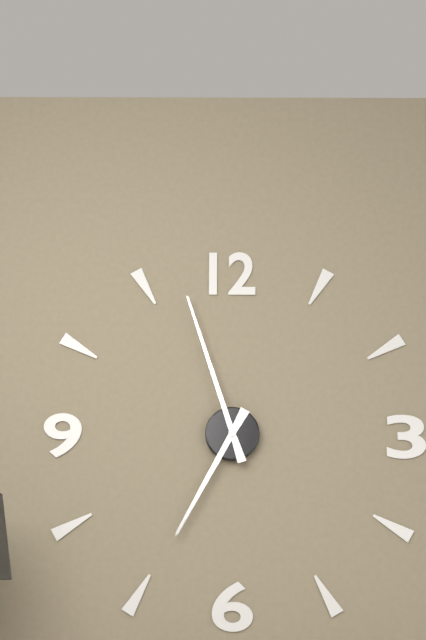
6,57
